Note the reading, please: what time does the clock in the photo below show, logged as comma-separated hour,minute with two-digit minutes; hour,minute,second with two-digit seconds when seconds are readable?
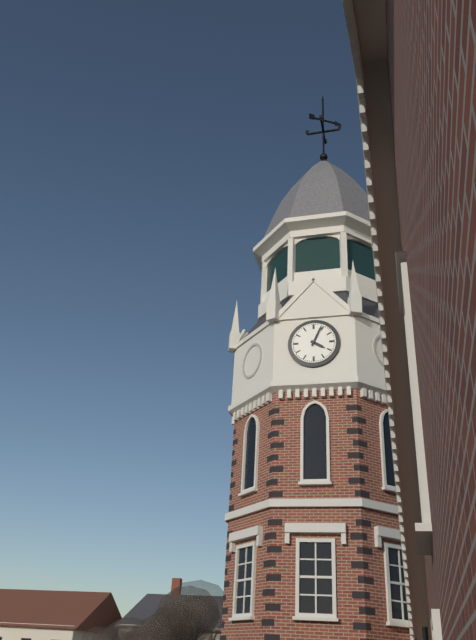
4,04
